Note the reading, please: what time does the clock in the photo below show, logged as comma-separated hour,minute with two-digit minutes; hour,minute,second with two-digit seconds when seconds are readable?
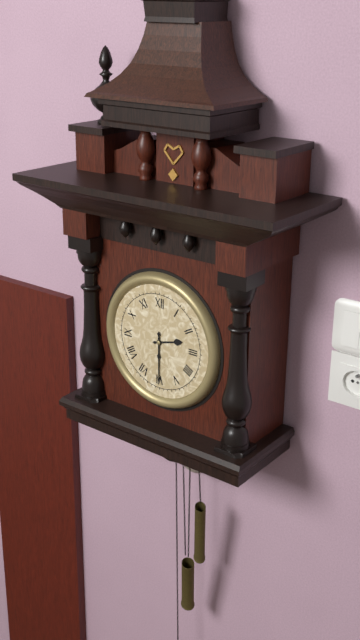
2,30
